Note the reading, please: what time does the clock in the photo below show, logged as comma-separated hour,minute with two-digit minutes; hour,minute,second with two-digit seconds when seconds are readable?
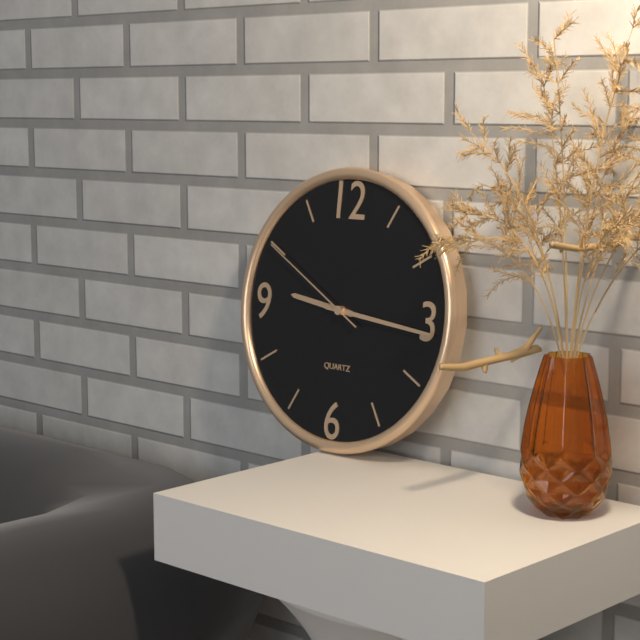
9,16,50
